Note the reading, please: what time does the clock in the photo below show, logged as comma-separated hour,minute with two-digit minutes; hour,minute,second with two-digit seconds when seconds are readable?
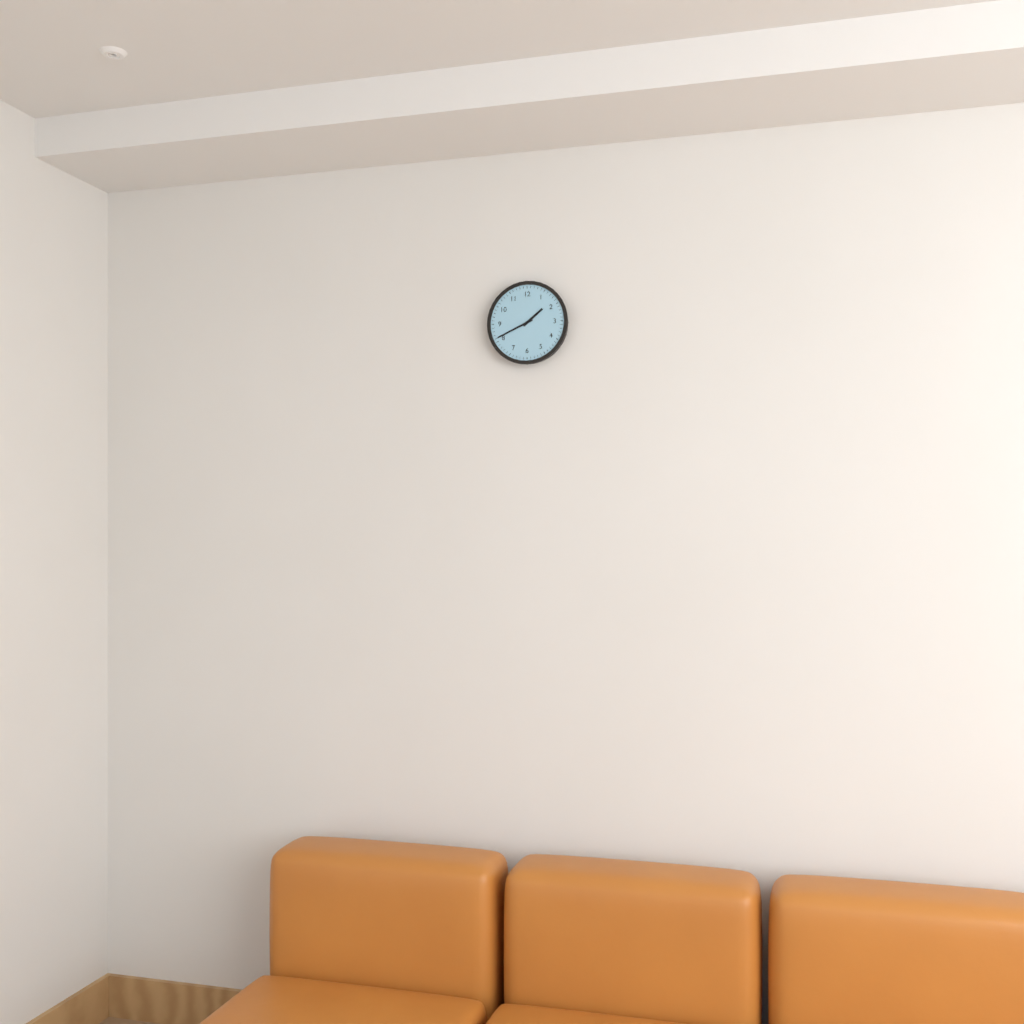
1,41
